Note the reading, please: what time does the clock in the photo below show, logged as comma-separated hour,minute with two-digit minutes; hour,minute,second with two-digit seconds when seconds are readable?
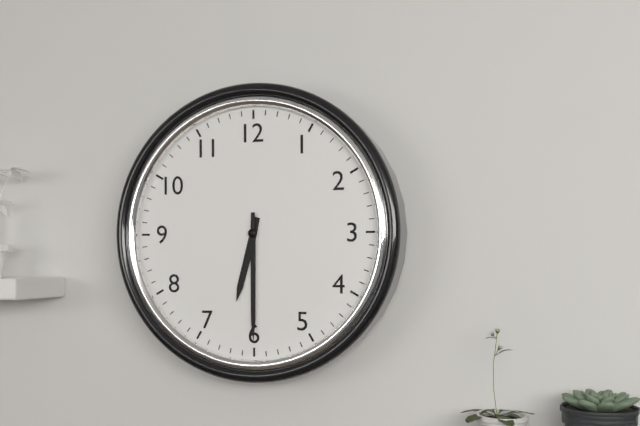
6,30
